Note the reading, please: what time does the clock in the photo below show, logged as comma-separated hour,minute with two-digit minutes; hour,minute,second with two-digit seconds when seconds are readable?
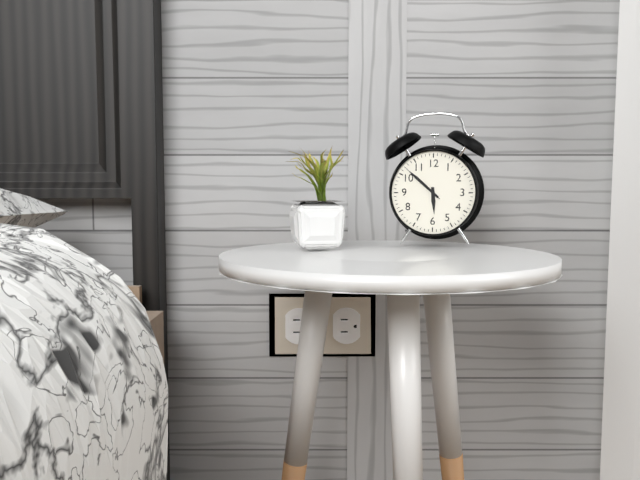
5,52
